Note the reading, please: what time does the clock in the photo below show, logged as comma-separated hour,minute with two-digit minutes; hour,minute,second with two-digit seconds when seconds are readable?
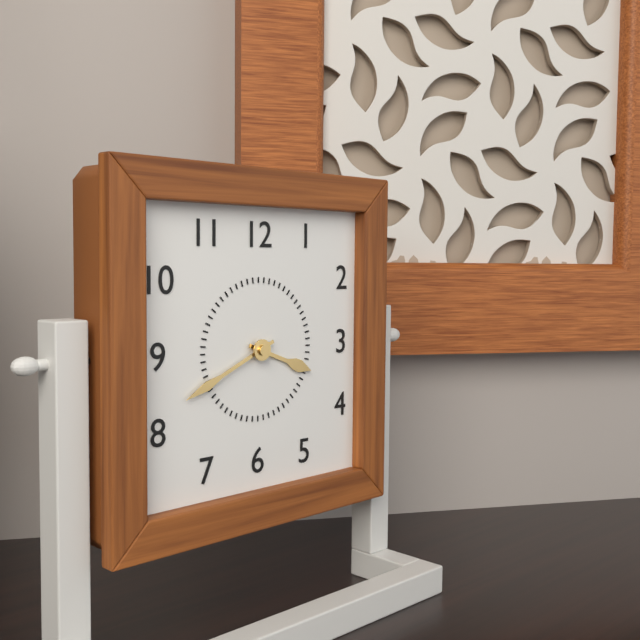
3,41
